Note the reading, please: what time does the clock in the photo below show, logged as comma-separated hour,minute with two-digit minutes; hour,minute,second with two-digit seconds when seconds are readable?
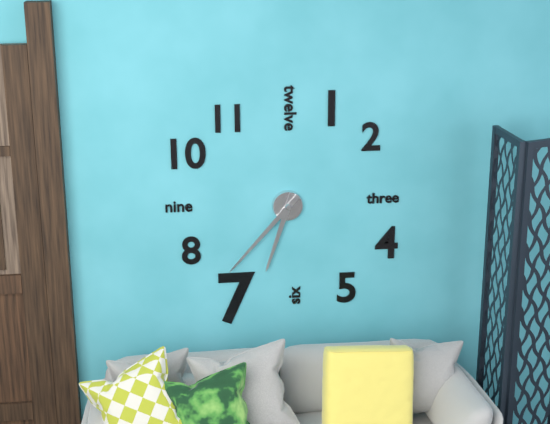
6,37
